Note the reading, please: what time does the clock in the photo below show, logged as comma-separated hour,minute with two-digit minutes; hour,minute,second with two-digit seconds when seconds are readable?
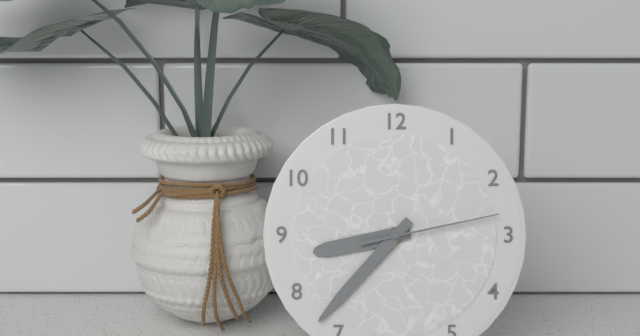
8,37,13
